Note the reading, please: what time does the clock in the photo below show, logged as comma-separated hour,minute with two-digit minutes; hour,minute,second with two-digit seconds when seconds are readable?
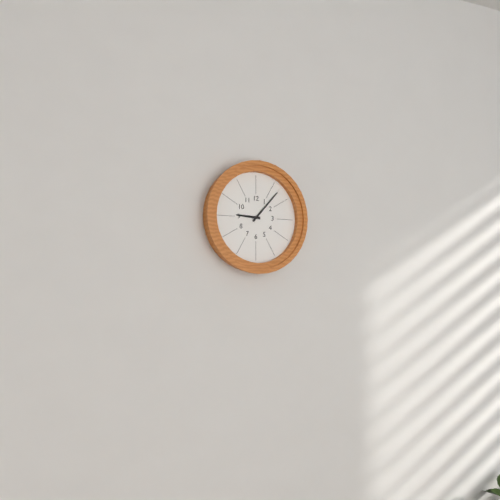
9,07
